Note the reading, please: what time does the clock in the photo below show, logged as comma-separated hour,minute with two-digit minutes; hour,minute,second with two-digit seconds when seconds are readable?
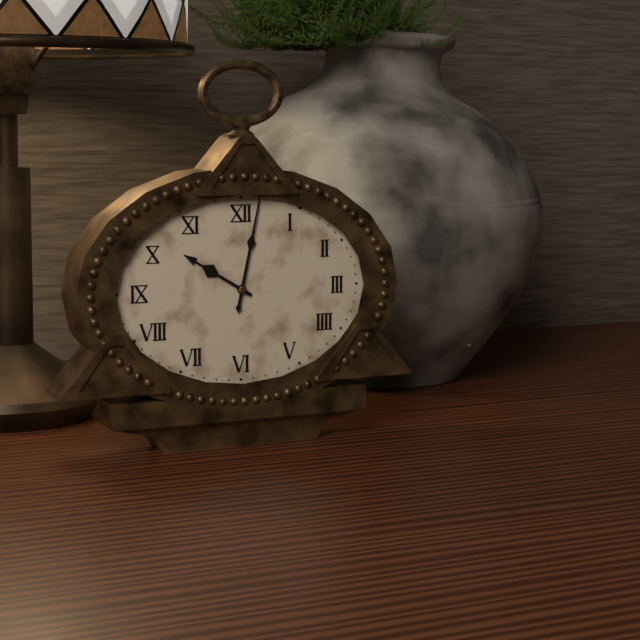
10,02
